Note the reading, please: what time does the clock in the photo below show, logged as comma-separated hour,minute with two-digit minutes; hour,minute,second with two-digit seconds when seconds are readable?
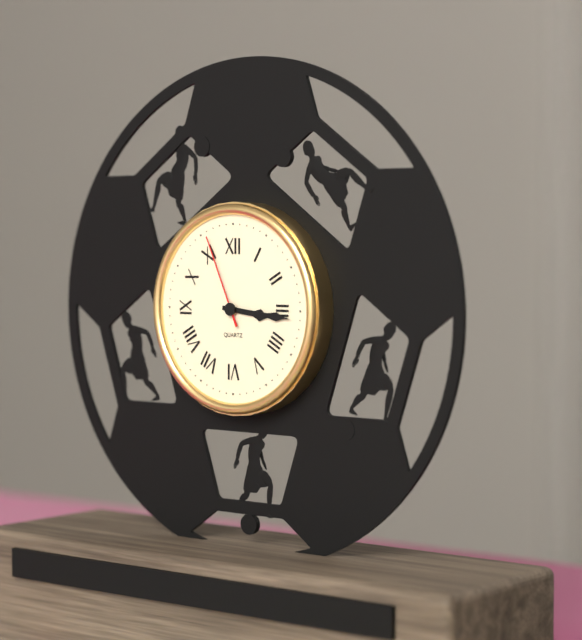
3,16,56
